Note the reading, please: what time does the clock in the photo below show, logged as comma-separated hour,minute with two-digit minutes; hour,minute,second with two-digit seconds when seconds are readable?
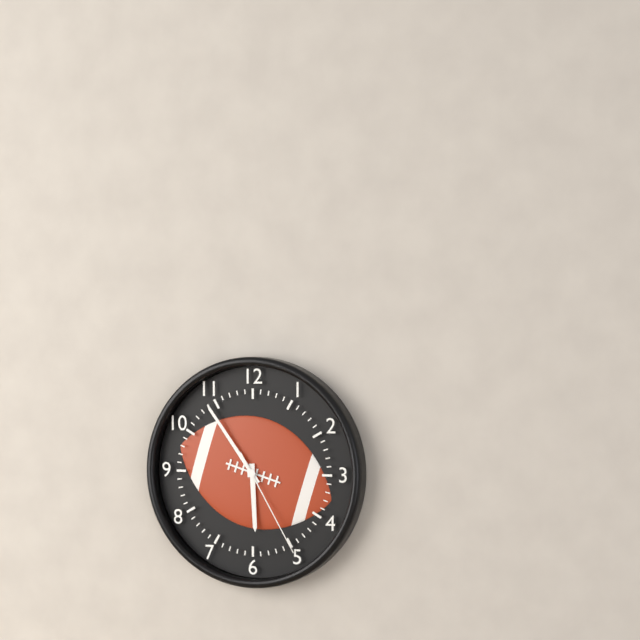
5,54,25
